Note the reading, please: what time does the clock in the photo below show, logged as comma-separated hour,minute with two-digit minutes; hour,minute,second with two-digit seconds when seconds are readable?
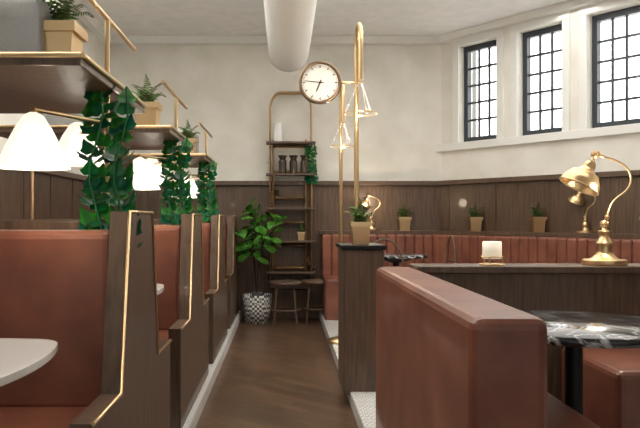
6,46
